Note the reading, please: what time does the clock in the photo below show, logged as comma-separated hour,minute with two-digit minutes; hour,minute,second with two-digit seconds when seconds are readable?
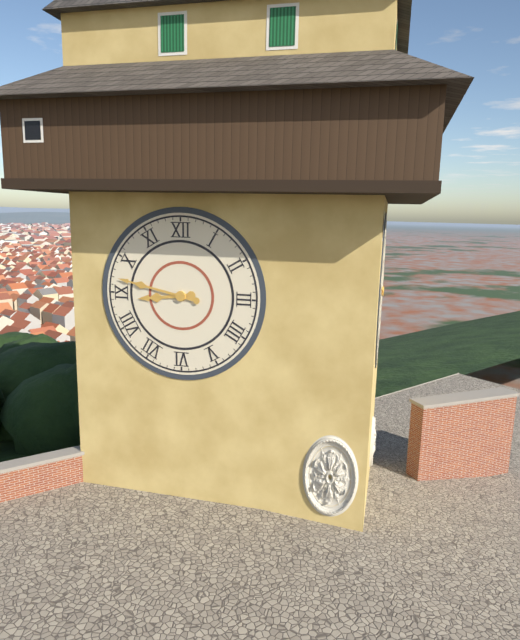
8,47
